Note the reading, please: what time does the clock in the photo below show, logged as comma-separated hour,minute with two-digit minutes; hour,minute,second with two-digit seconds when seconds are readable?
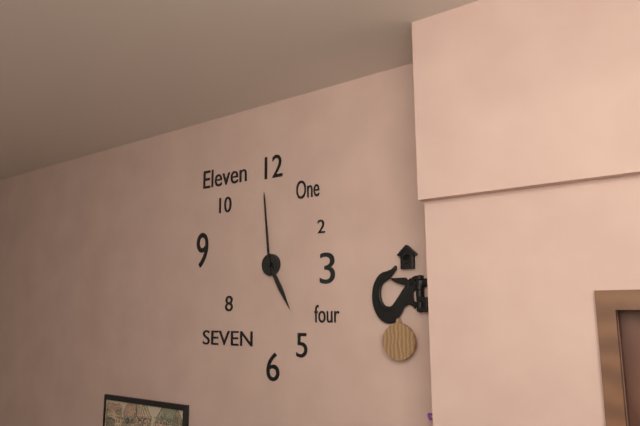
4,59
